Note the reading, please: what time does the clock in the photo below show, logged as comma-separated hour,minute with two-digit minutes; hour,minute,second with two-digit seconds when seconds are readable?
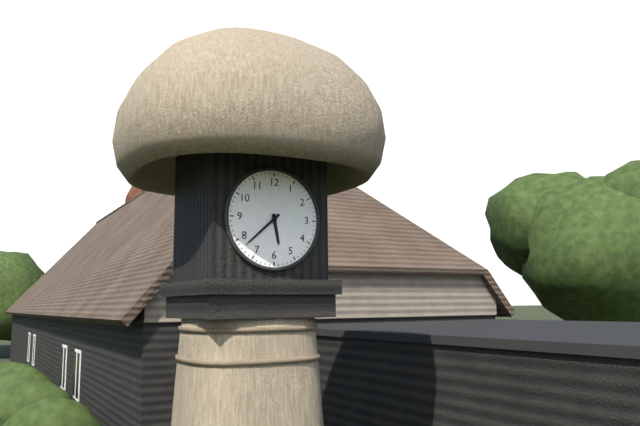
5,38
